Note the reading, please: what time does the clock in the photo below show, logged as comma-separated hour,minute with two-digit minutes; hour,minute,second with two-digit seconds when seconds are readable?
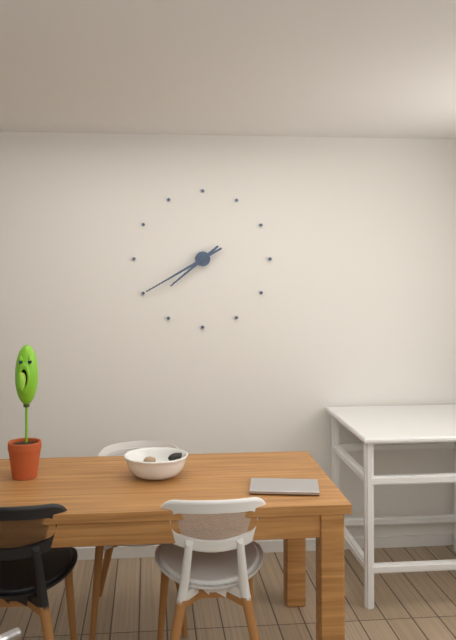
7,40
